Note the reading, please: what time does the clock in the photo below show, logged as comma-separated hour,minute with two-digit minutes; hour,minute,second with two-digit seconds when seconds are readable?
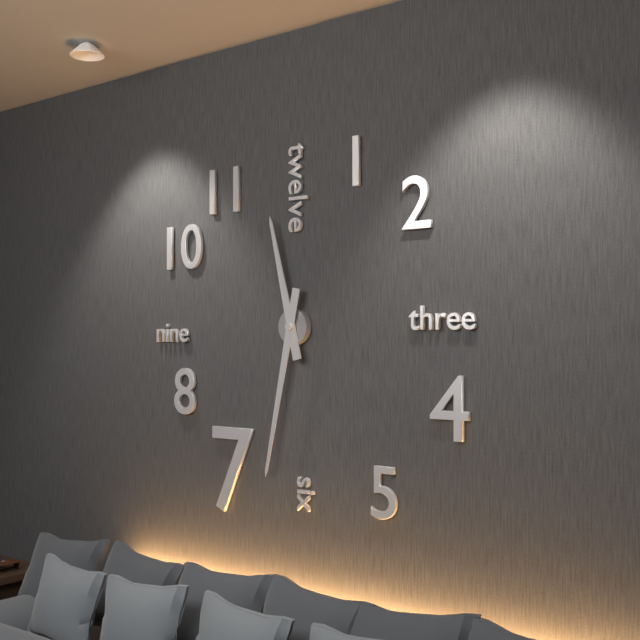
11,32
